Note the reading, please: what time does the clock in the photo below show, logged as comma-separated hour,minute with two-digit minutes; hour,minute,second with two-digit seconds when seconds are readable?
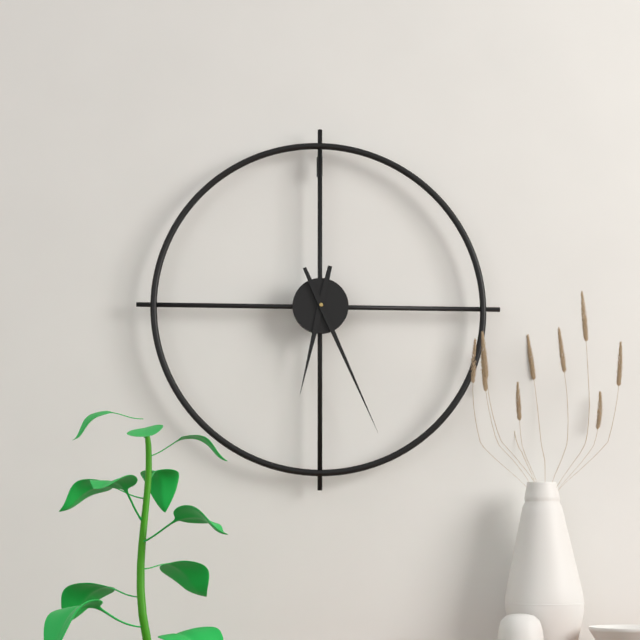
6,26
